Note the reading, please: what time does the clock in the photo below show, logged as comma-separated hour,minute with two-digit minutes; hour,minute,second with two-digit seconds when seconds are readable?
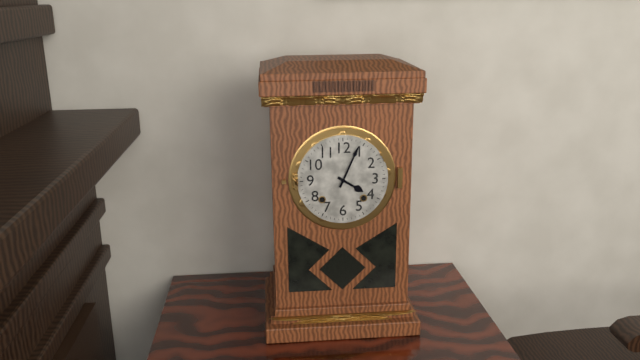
4,04
